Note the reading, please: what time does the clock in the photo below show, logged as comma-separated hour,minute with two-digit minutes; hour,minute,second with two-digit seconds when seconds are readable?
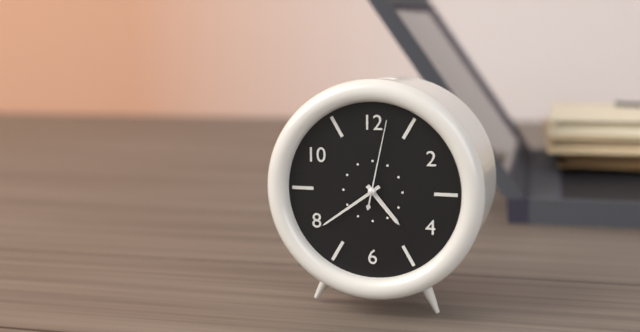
4,39,02
